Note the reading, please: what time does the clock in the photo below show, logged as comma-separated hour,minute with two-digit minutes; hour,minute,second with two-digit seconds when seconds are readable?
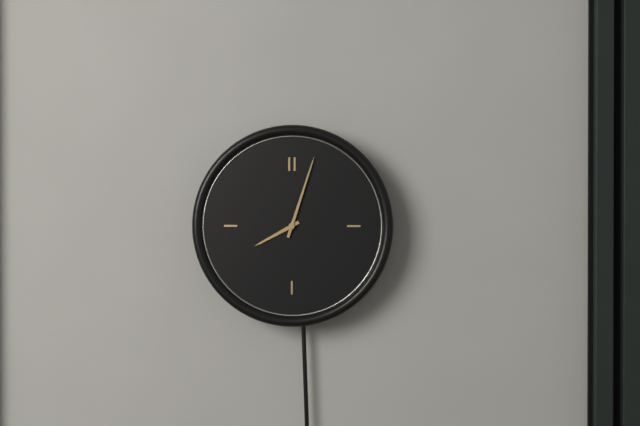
8,03
